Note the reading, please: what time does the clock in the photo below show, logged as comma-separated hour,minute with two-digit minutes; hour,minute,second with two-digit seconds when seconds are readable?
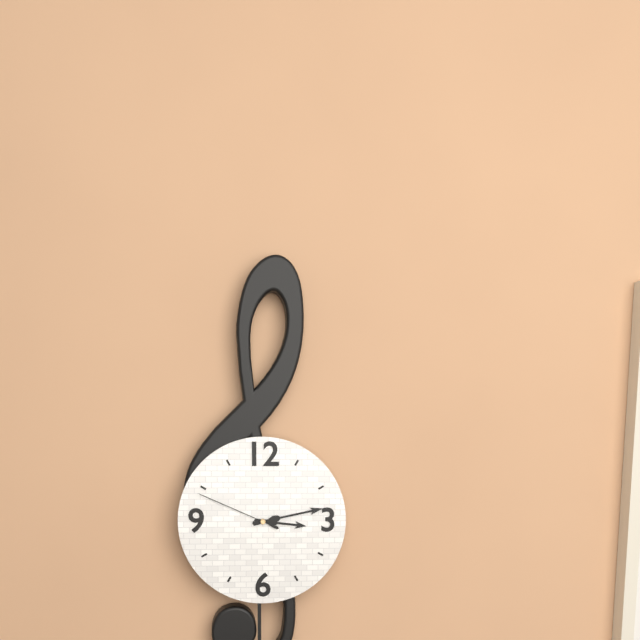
3,13,49
